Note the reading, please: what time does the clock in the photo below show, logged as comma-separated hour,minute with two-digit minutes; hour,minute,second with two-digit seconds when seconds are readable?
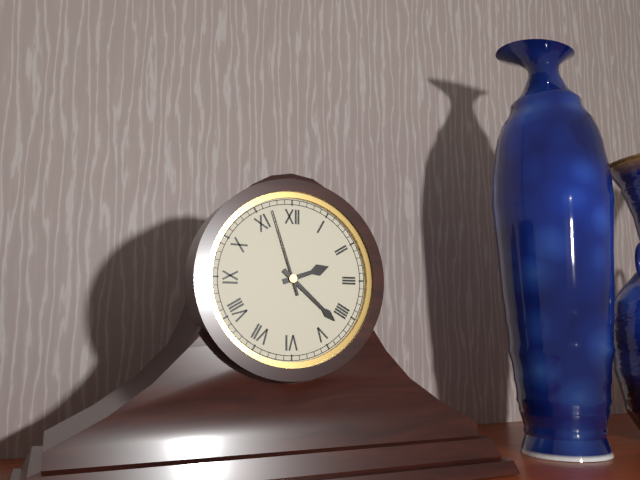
2,22,57
